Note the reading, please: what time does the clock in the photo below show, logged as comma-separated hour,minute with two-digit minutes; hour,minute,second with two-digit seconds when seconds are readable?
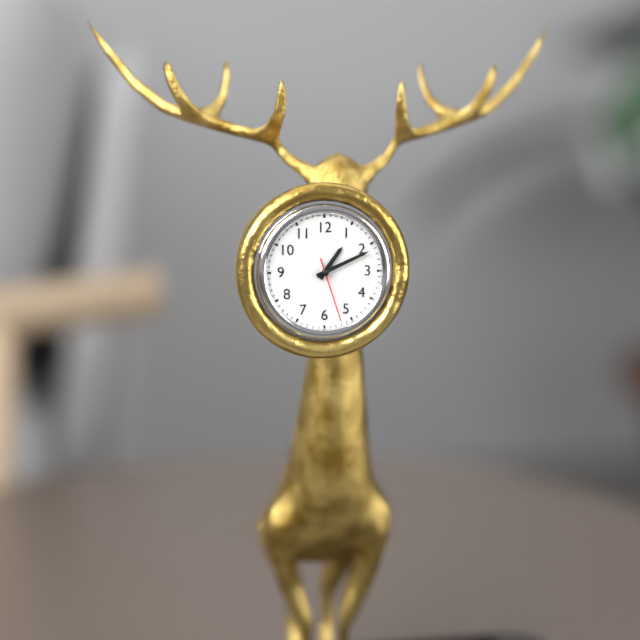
1,11,27
